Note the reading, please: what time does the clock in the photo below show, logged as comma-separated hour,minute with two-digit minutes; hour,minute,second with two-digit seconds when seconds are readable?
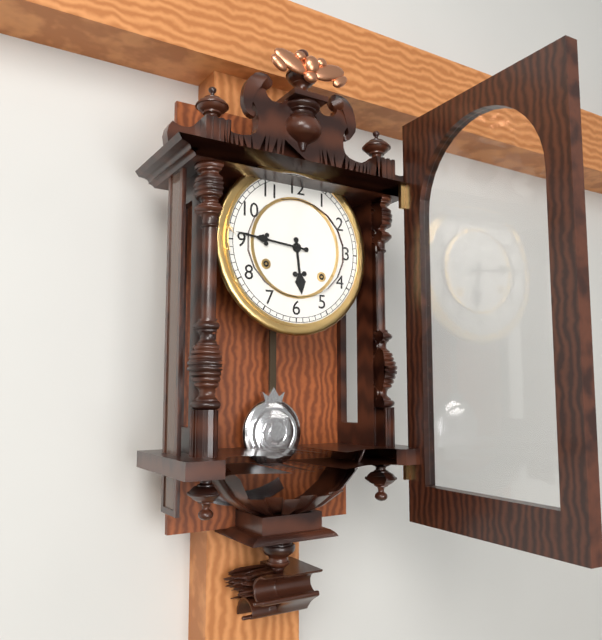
5,46
